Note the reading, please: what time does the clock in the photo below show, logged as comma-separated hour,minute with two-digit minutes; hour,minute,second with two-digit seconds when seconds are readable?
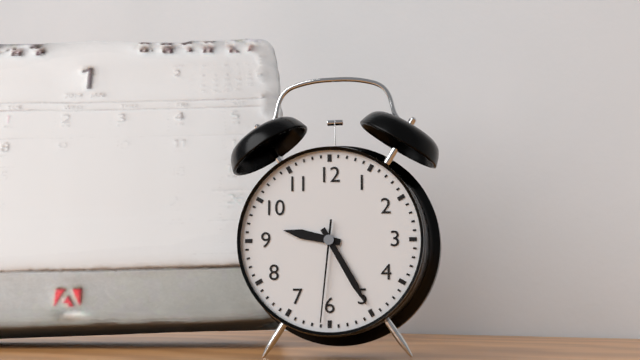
9,25,31
